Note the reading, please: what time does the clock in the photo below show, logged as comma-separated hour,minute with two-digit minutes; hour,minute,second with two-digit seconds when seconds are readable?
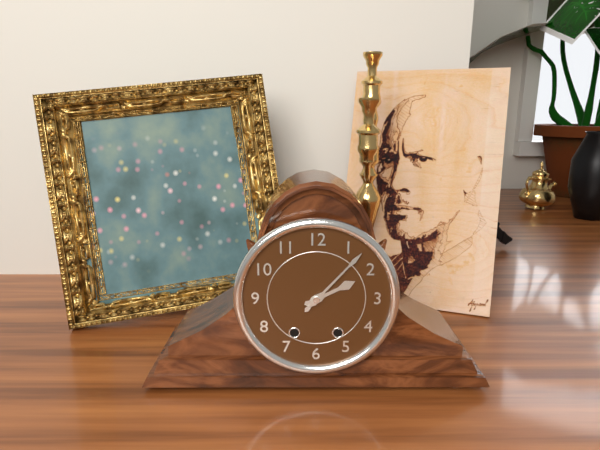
2,07
